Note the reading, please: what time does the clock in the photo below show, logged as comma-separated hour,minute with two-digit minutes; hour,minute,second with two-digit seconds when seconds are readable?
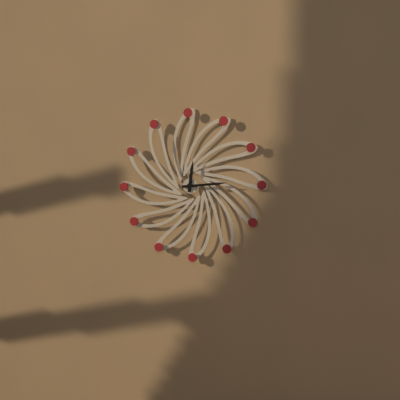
12,14
